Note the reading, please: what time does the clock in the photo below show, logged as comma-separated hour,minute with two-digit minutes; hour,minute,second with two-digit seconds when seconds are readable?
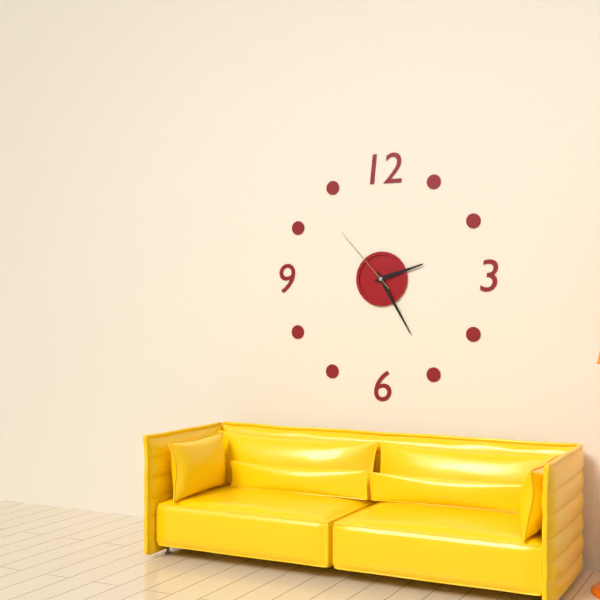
2,25,53
